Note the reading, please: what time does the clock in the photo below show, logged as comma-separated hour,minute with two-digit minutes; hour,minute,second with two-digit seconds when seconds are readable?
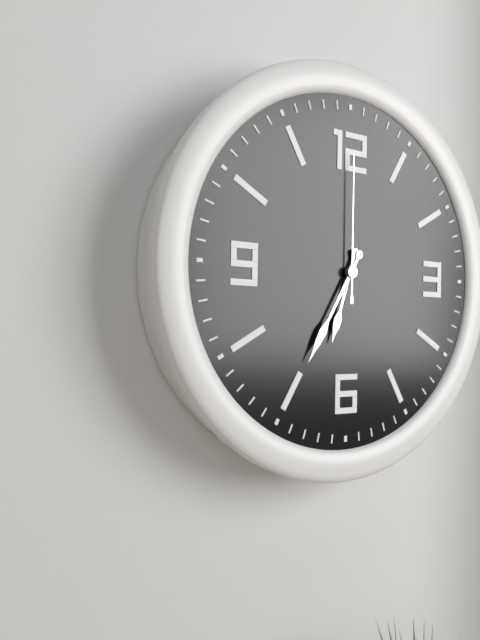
6,35,00
